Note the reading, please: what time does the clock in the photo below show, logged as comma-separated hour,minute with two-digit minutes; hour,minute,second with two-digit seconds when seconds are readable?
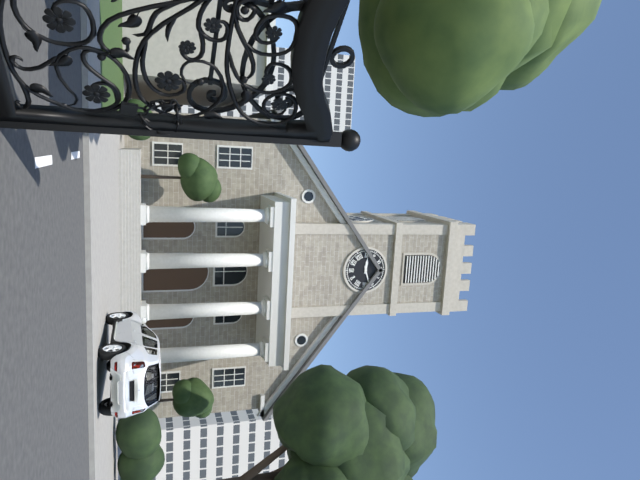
9,12
